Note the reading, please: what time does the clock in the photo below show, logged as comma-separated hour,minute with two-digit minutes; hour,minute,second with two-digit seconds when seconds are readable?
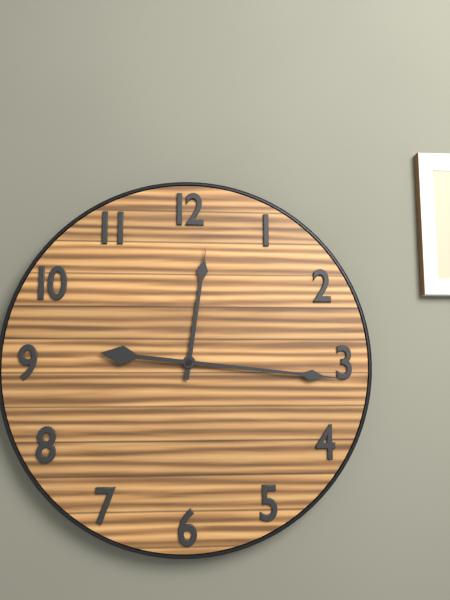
12,16
